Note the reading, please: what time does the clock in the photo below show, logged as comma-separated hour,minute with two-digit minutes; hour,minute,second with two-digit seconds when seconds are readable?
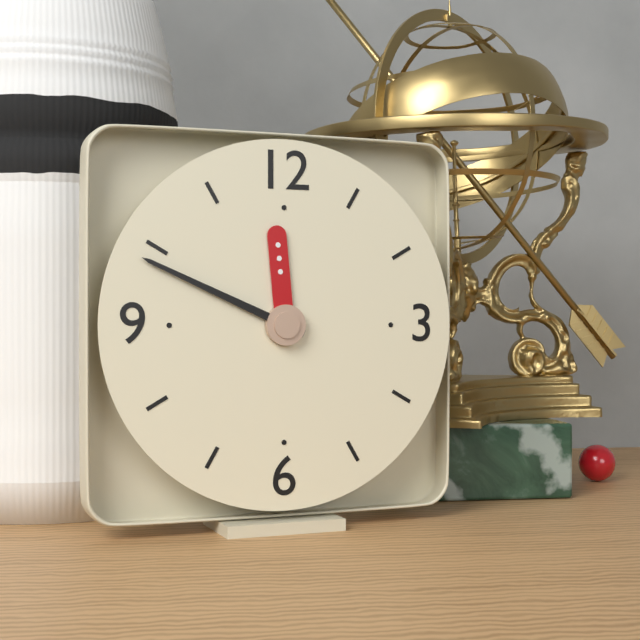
11,49
